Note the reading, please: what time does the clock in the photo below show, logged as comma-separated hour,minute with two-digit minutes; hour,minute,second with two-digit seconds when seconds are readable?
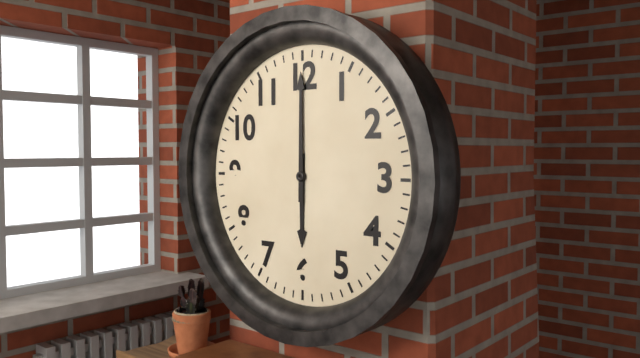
6,00
